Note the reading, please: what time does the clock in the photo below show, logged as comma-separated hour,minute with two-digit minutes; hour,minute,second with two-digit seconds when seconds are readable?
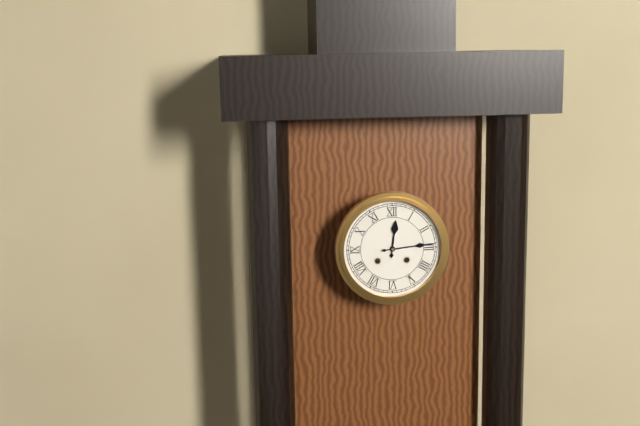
12,14
